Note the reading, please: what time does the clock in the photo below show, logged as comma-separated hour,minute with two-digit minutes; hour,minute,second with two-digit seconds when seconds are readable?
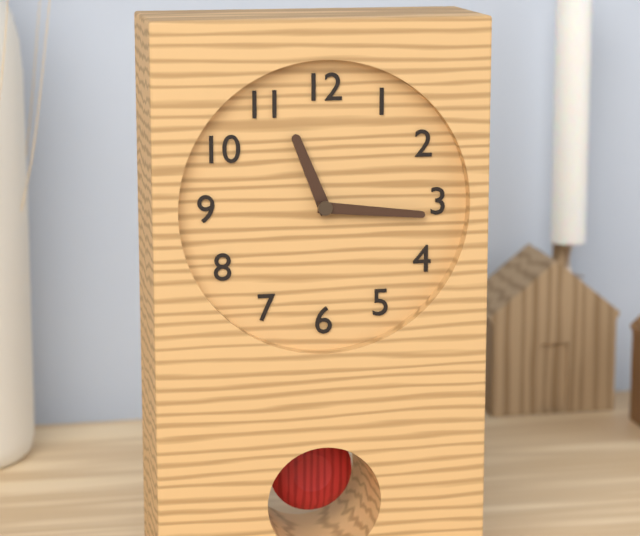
11,16
